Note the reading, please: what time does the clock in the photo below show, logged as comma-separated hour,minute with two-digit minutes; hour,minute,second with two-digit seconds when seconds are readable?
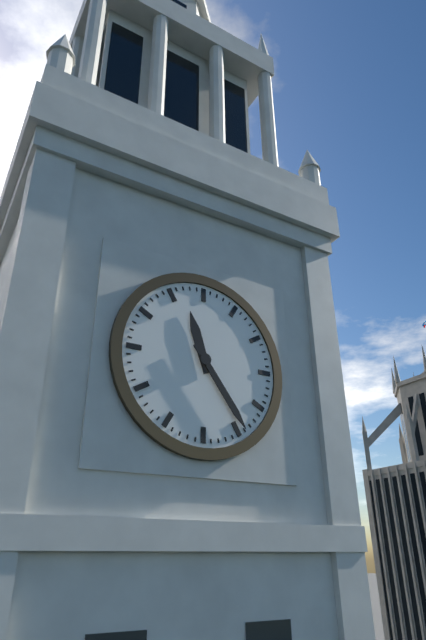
11,24
